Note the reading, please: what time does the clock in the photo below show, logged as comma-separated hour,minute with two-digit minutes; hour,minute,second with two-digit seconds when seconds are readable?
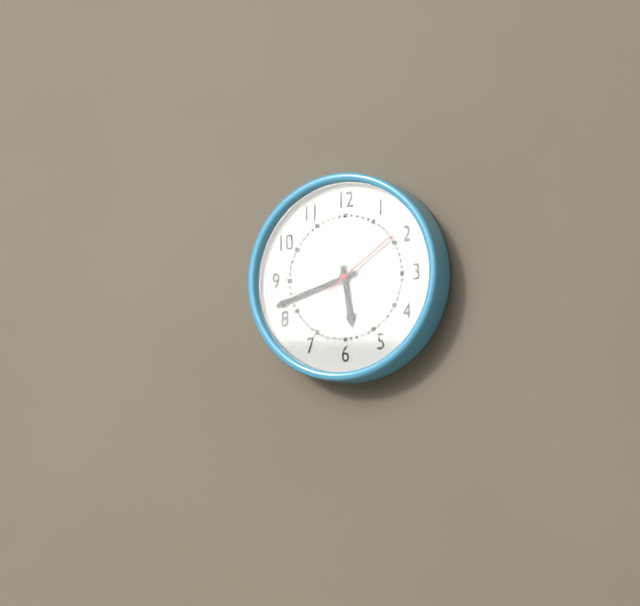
5,42,09
